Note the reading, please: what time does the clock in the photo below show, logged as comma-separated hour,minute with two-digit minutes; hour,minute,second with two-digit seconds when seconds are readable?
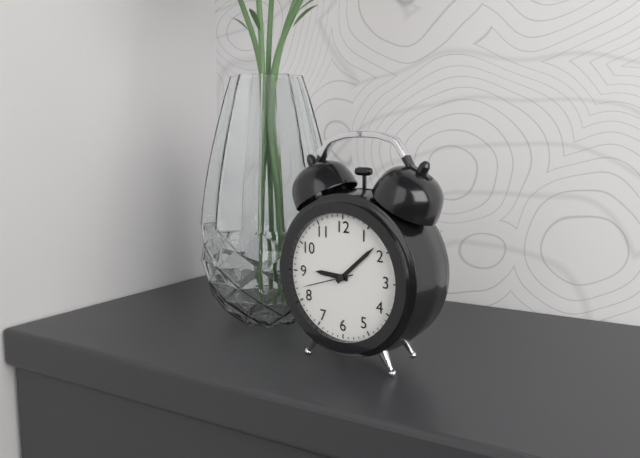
9,08,42
